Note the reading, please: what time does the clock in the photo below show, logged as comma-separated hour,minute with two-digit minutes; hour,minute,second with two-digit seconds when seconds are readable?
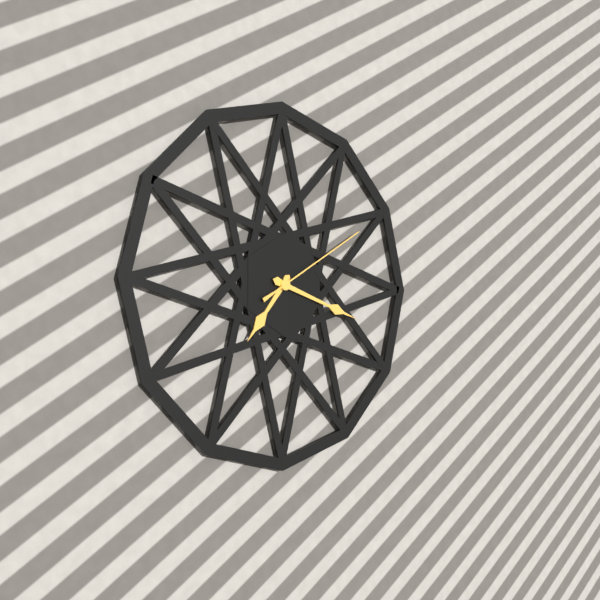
7,18,10
